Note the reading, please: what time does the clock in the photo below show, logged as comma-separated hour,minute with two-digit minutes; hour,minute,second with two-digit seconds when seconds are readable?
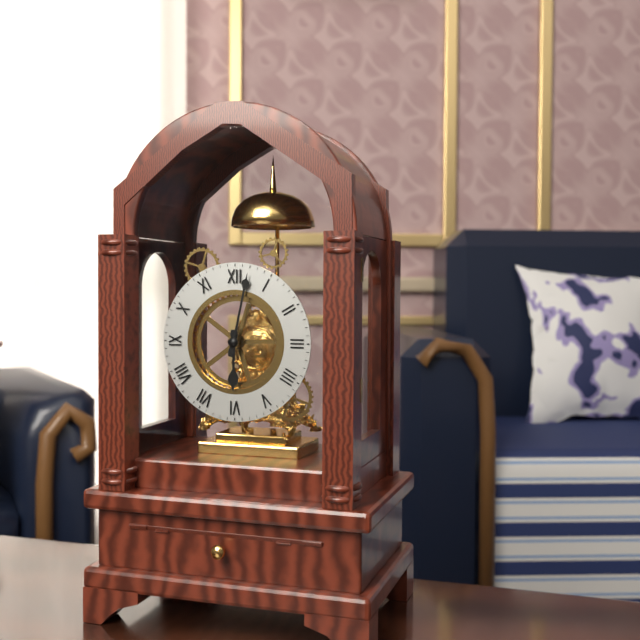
6,02
